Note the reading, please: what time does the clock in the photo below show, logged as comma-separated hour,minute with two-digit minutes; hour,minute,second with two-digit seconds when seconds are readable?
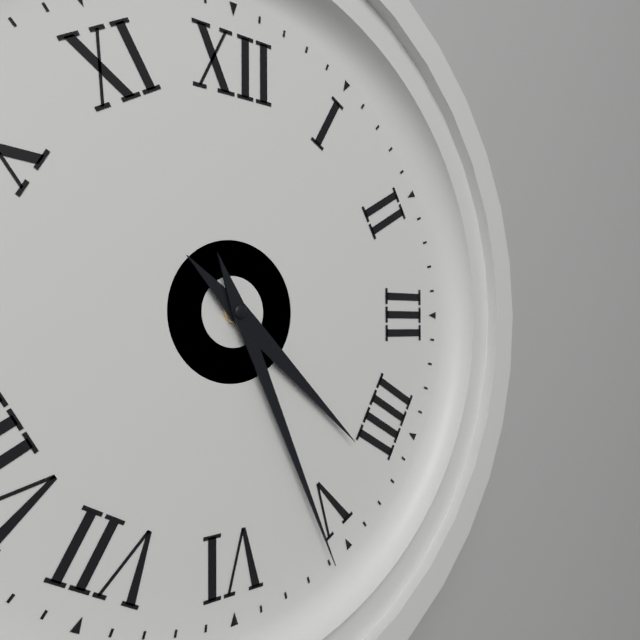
4,26
